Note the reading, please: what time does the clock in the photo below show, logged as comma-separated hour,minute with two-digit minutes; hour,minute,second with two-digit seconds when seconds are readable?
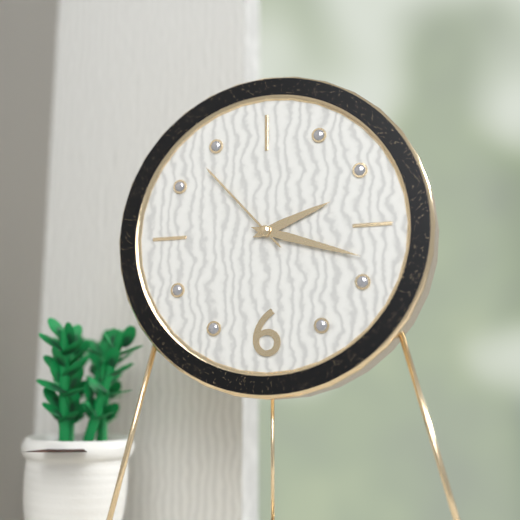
2,18,53
